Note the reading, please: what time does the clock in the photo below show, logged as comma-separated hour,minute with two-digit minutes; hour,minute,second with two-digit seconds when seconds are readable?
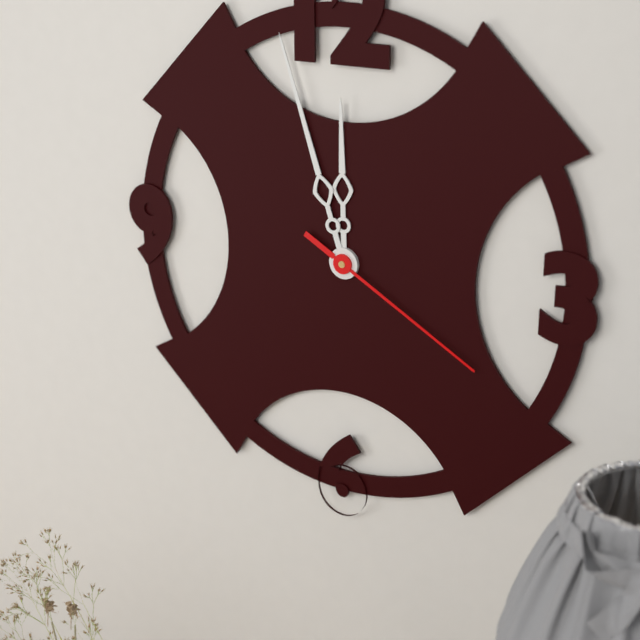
11,57,20
